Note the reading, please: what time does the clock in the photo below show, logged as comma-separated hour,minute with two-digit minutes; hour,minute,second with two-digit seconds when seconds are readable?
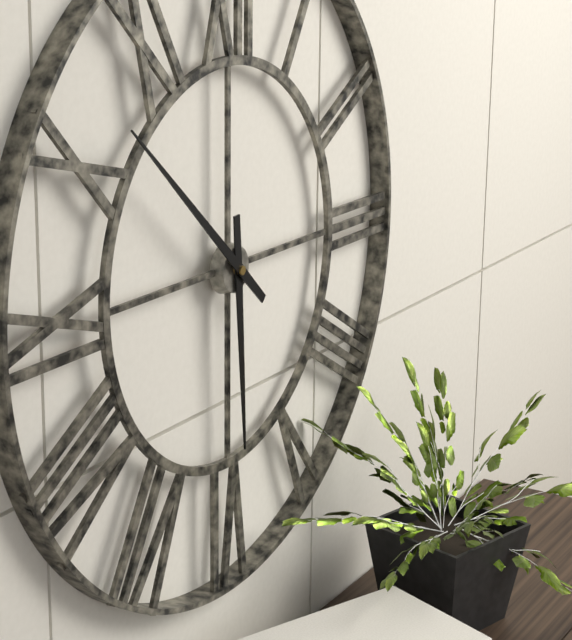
5,52
